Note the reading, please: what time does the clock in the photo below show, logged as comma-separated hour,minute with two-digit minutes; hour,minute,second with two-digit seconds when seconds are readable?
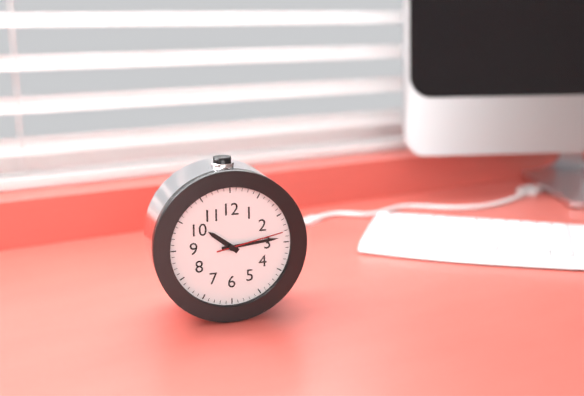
10,14,13
